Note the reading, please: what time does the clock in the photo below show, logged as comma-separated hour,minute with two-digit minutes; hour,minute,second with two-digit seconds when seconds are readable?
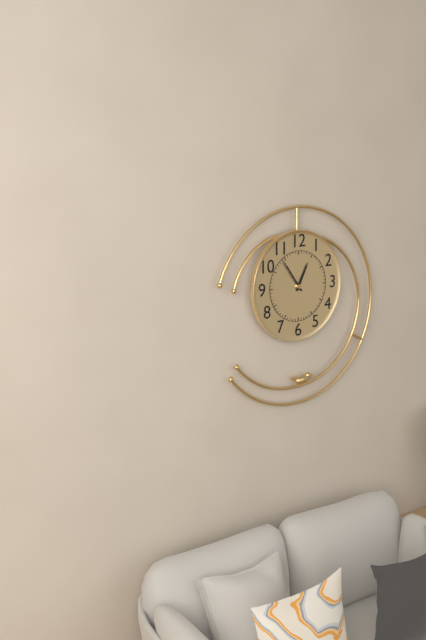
12,54
